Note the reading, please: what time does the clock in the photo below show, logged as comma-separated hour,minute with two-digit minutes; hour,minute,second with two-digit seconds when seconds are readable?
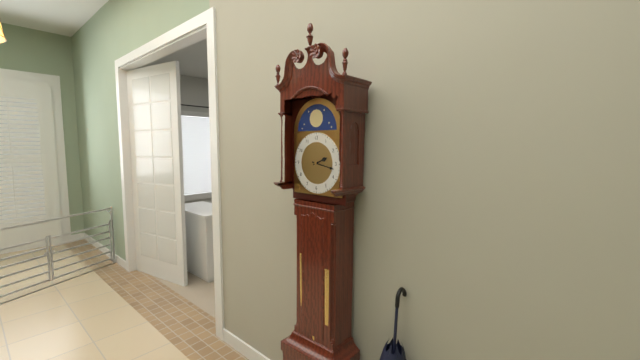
2,17
